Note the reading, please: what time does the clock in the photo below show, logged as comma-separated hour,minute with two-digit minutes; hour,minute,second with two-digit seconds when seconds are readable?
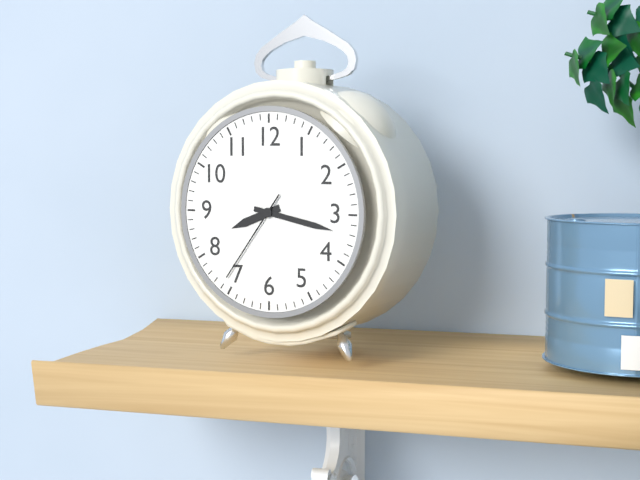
8,17,36
